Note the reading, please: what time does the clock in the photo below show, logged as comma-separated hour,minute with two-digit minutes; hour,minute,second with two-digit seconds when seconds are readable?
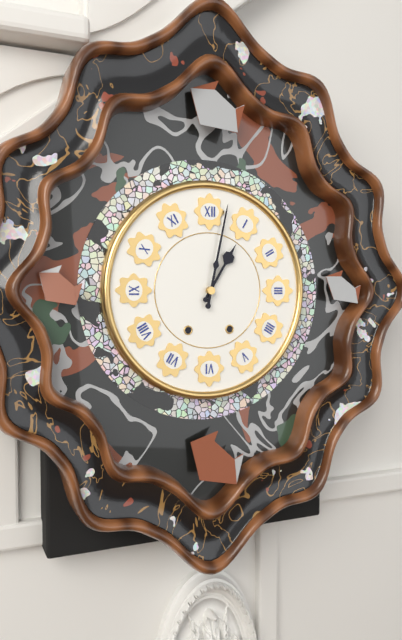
1,02
